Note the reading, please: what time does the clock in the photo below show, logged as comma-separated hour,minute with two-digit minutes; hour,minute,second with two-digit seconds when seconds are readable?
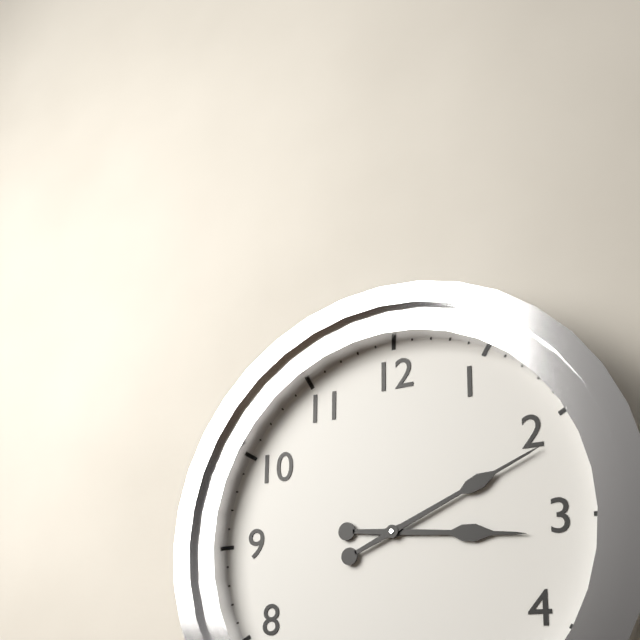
3,11
